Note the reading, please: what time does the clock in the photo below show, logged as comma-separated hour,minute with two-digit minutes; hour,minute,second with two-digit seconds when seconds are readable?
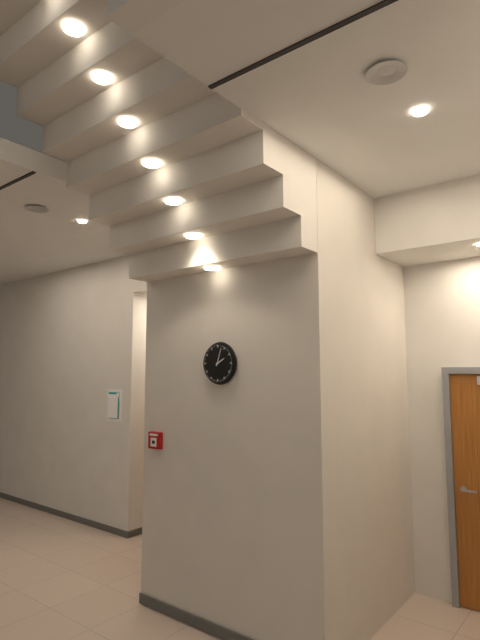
2,03
